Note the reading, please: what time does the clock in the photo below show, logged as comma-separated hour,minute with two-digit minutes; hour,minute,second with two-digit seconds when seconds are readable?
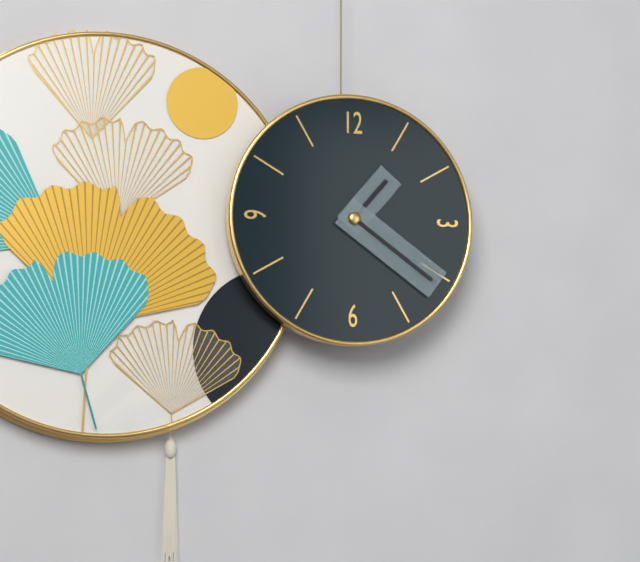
1,21
